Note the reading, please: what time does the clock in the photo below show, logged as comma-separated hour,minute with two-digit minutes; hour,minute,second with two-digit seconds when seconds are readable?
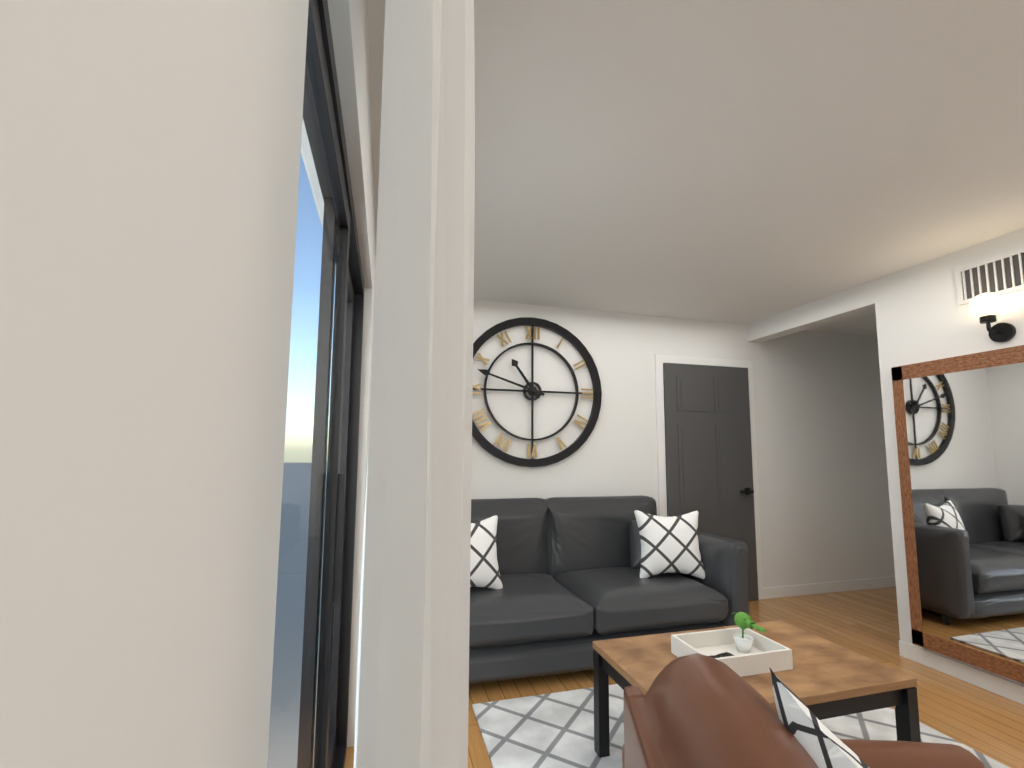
10,48
